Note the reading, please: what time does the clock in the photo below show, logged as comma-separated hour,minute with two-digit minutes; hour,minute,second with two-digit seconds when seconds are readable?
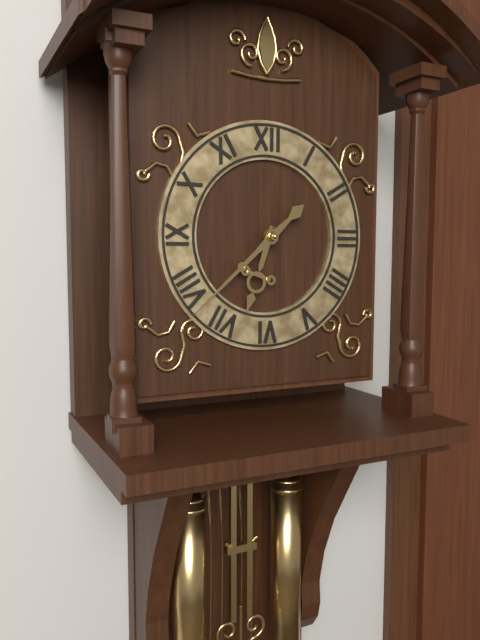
6,38
